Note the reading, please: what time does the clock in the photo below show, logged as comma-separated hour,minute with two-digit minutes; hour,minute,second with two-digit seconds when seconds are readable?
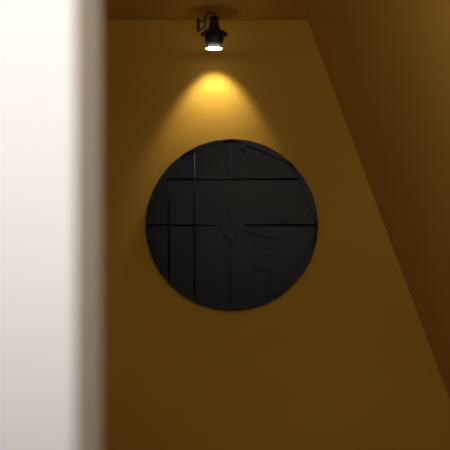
3,30
